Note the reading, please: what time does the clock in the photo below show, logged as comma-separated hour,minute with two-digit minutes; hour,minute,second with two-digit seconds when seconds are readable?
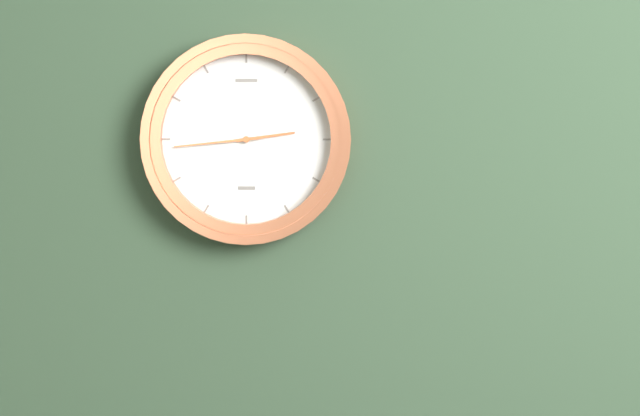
2,44
